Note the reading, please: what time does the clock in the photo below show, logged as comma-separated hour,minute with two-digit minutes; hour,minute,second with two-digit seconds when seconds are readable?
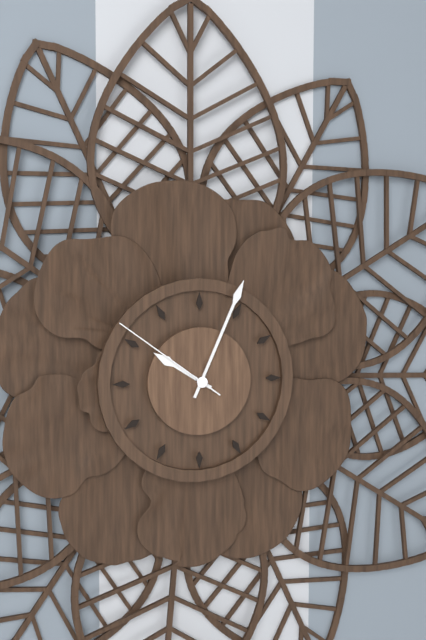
10,04,51
